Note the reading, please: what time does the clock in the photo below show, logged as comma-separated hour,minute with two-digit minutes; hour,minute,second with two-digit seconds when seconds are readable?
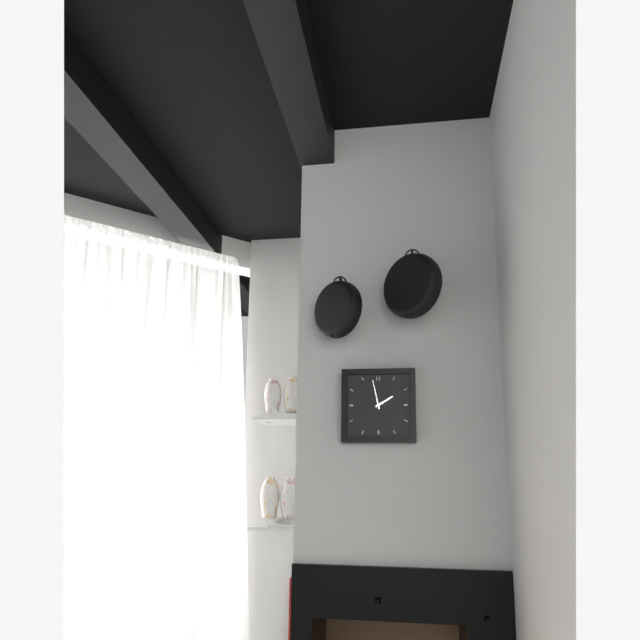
1,58
